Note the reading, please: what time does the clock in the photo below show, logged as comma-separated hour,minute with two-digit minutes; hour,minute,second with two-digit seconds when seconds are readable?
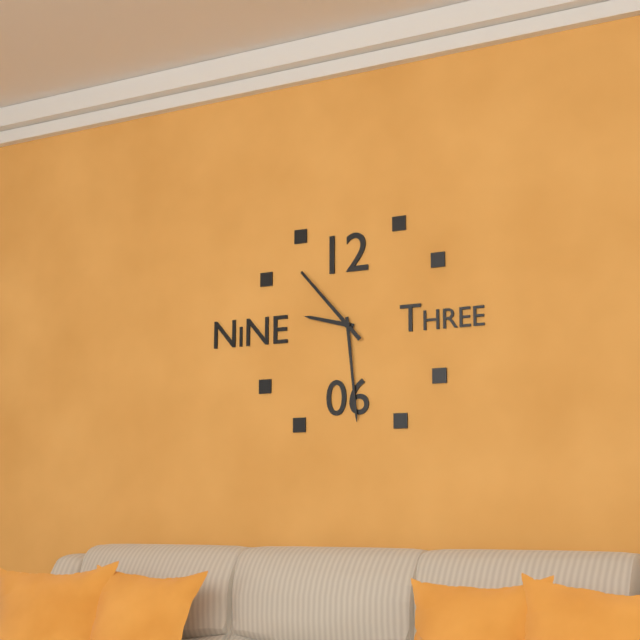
9,29,53
